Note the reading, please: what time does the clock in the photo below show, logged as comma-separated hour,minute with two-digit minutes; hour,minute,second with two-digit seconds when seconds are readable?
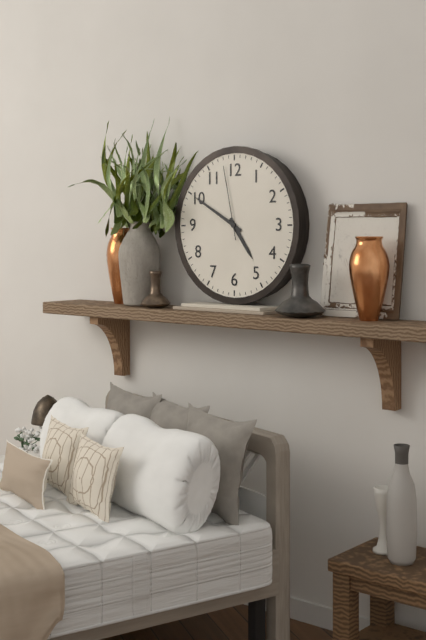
4,50,58
